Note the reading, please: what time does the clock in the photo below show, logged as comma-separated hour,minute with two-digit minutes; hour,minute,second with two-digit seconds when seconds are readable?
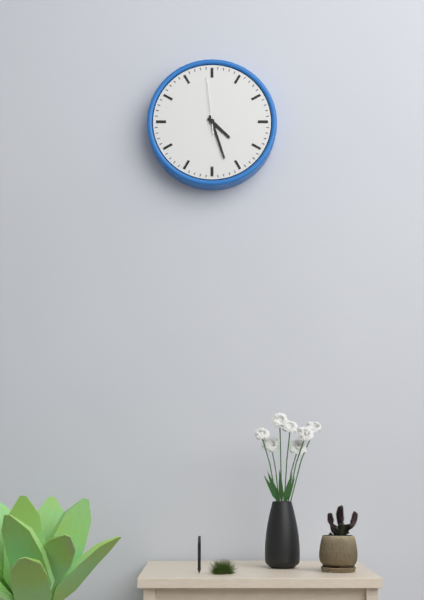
4,27,59
